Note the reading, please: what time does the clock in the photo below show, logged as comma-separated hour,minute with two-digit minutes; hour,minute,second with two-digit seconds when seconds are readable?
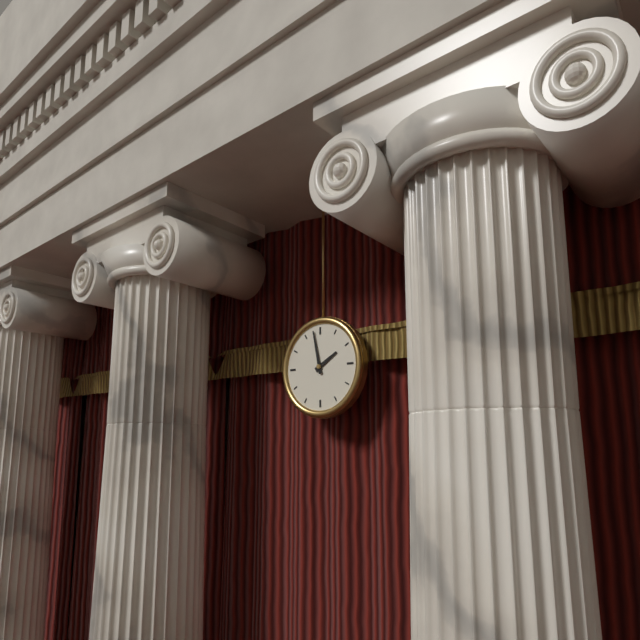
1,58
